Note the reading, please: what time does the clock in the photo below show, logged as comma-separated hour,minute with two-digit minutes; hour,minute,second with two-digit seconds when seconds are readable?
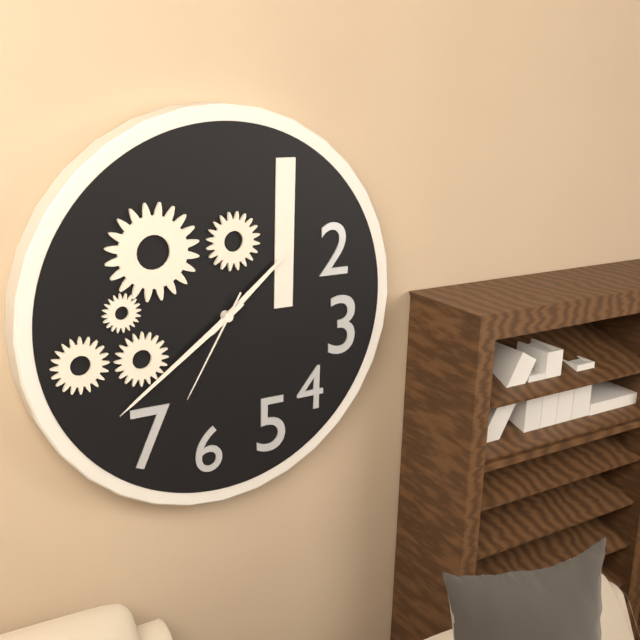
1,39,35
